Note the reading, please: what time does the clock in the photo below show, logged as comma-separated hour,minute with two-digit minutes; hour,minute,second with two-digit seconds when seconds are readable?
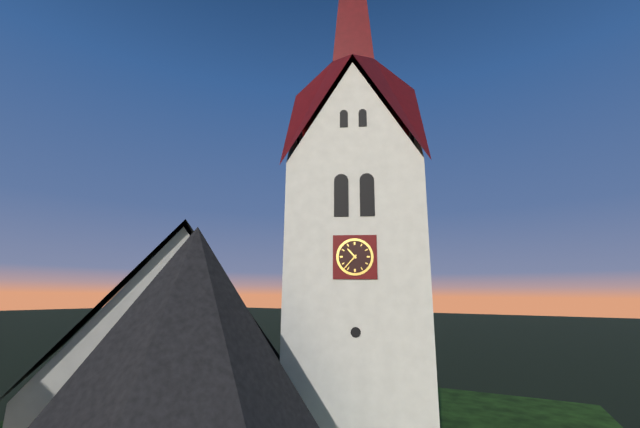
10,37
